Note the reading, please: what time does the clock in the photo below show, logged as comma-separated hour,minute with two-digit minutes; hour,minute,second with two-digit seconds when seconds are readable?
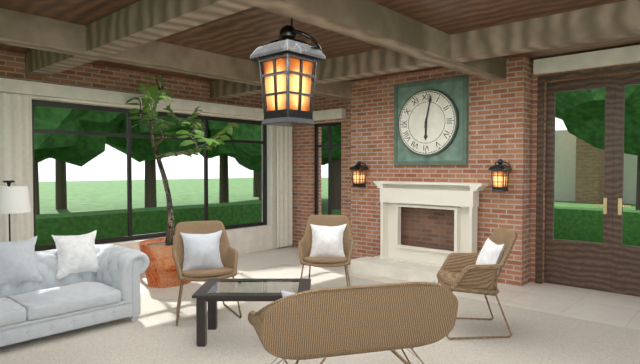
6,02
